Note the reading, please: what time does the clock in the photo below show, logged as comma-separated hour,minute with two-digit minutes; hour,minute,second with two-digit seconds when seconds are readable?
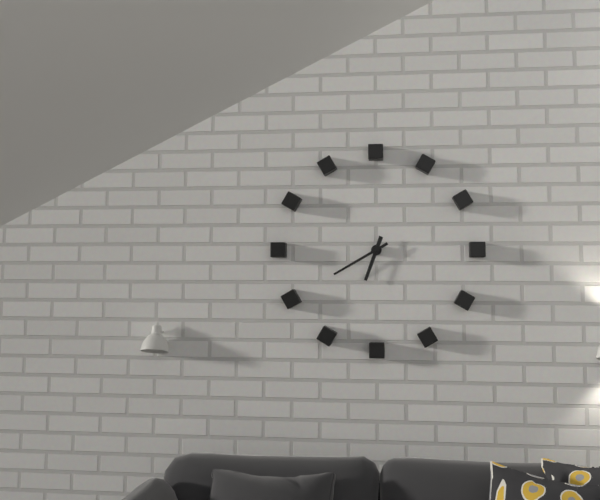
6,40
